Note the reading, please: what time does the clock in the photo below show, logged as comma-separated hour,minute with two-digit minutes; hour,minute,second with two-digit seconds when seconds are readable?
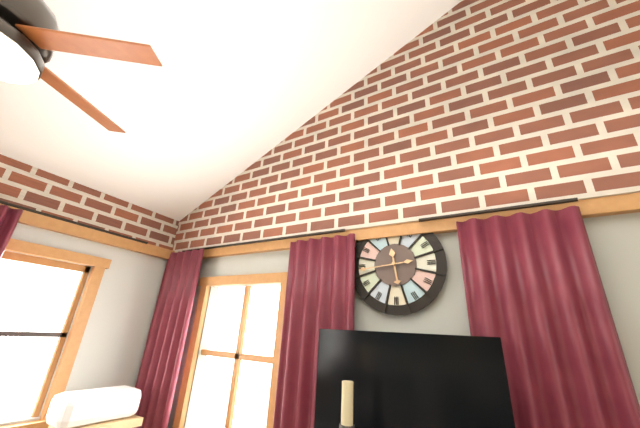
5,44
